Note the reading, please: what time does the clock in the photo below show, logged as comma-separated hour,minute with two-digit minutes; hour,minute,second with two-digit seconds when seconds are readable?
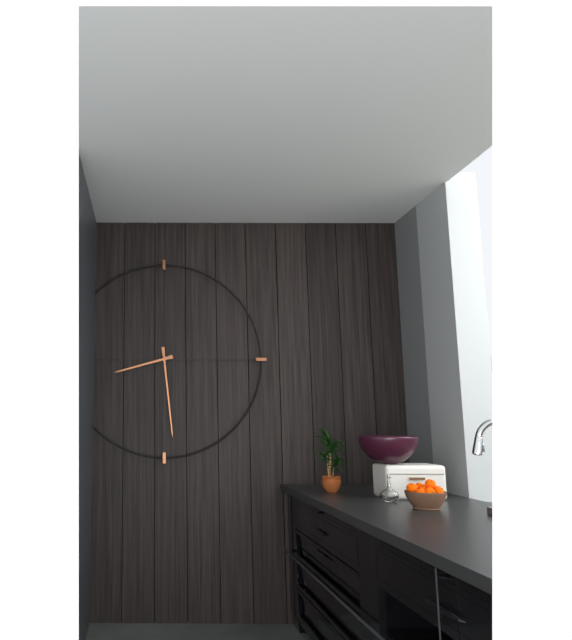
8,29
